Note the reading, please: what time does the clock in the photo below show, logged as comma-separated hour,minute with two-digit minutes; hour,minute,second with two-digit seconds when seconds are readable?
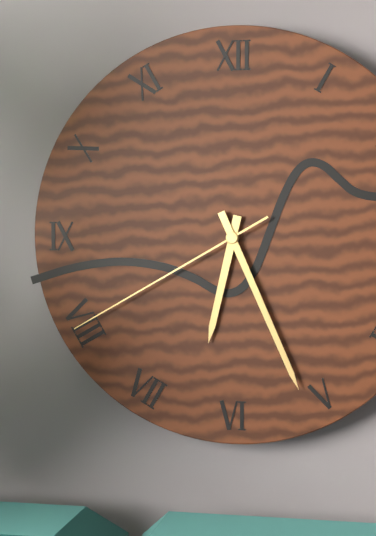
6,26,40
